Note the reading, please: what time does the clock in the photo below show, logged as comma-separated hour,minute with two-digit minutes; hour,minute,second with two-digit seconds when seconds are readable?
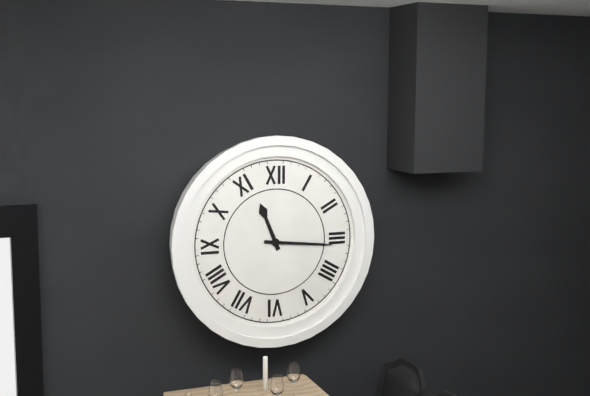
11,16
